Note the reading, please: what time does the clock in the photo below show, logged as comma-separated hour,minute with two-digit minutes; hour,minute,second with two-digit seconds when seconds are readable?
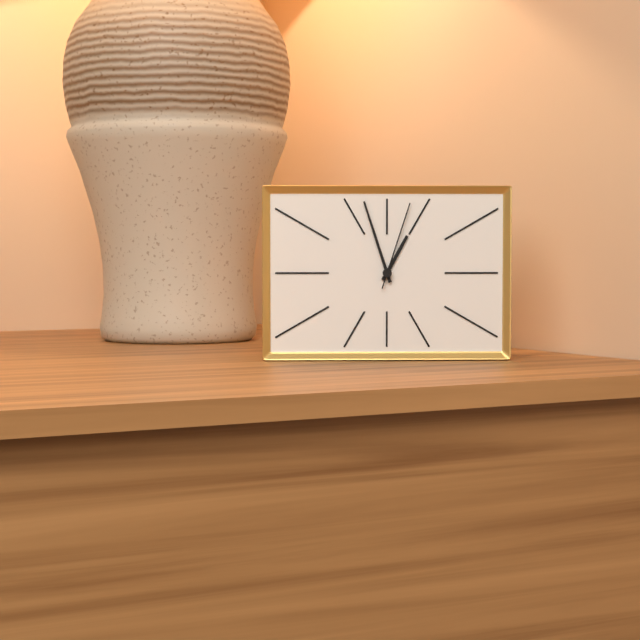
12,57,03
